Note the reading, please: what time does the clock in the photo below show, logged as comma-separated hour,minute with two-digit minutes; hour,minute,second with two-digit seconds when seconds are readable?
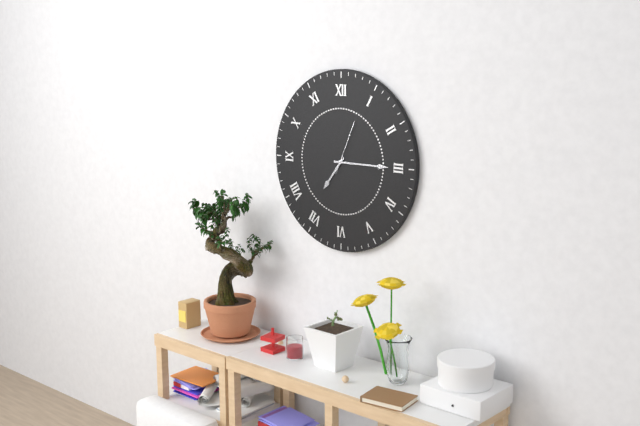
7,15,04
